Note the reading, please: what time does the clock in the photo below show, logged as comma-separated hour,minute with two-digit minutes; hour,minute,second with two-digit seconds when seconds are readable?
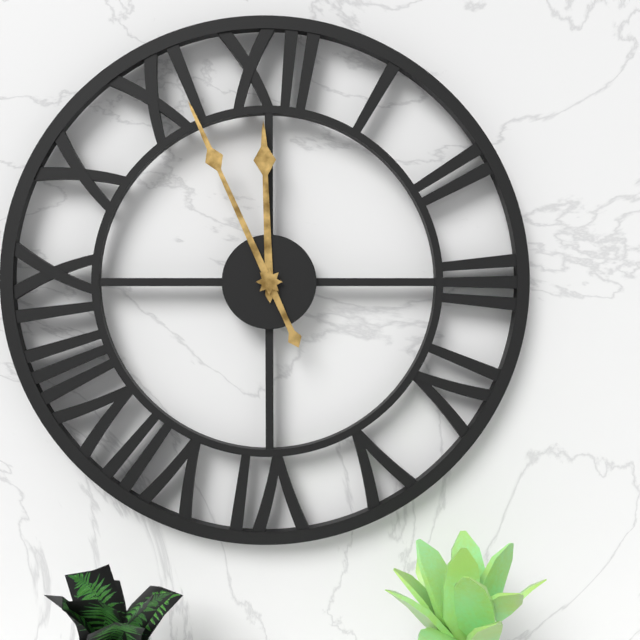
11,56
